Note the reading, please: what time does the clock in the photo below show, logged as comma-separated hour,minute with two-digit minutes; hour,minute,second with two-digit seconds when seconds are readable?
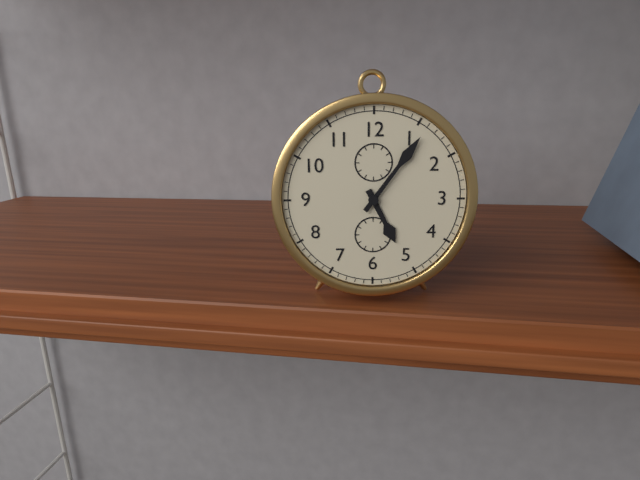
5,06
